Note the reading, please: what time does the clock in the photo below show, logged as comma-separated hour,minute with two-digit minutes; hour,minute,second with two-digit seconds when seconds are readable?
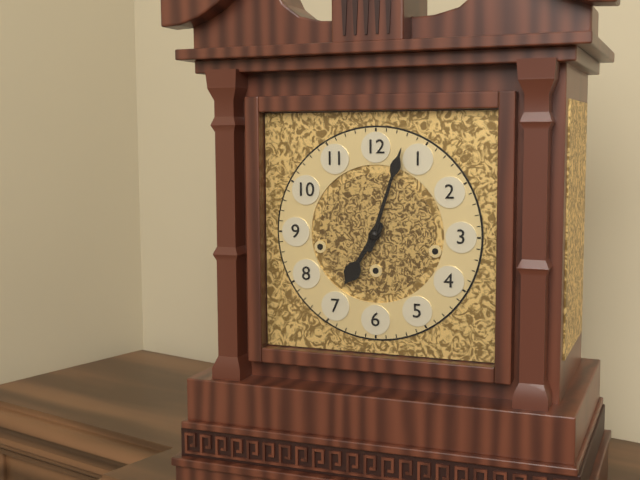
7,03
